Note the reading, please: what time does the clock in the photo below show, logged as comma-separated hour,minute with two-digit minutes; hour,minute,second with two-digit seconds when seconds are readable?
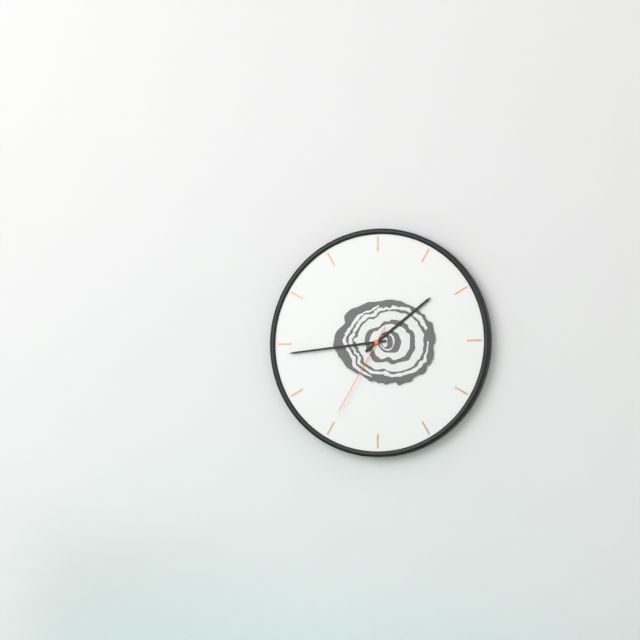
1,44,35
